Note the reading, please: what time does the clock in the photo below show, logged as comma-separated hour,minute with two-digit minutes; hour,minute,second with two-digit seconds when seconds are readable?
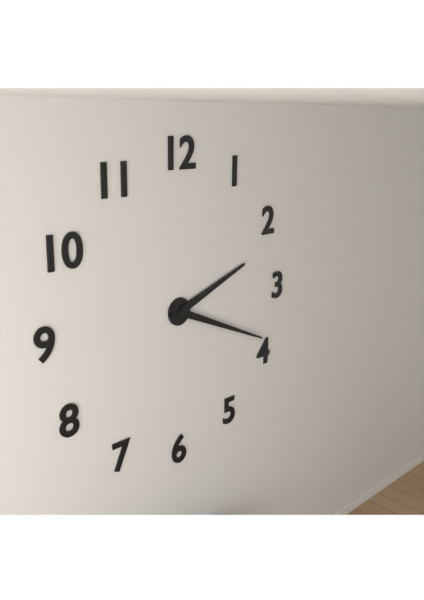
2,19
